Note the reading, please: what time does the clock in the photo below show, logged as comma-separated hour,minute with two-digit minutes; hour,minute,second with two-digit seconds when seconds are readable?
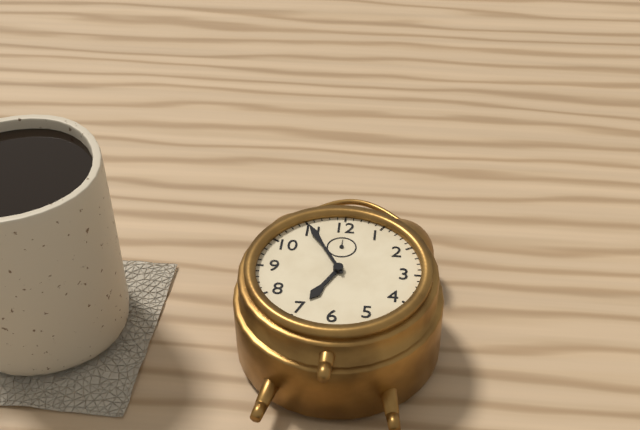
6,55
